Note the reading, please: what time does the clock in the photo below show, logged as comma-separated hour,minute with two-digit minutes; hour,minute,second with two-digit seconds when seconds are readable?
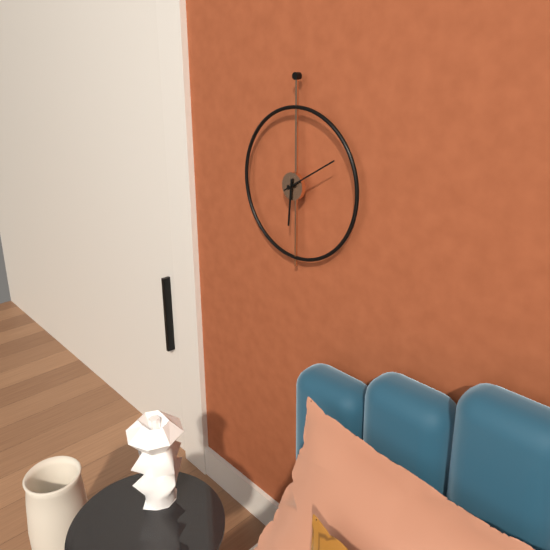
6,10
